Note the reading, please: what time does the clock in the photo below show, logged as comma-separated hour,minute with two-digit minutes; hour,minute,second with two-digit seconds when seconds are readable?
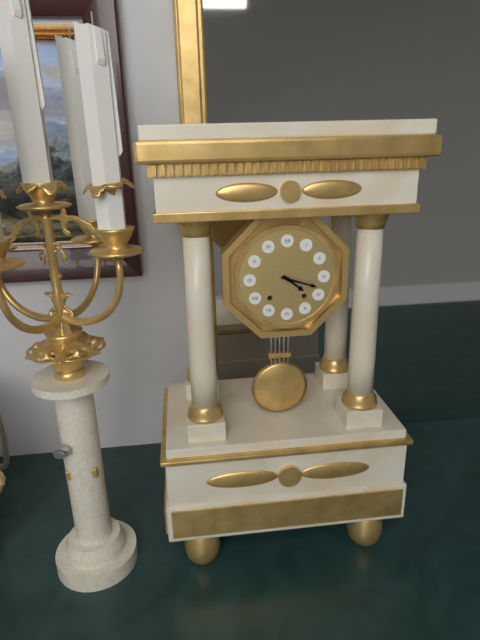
4,18
